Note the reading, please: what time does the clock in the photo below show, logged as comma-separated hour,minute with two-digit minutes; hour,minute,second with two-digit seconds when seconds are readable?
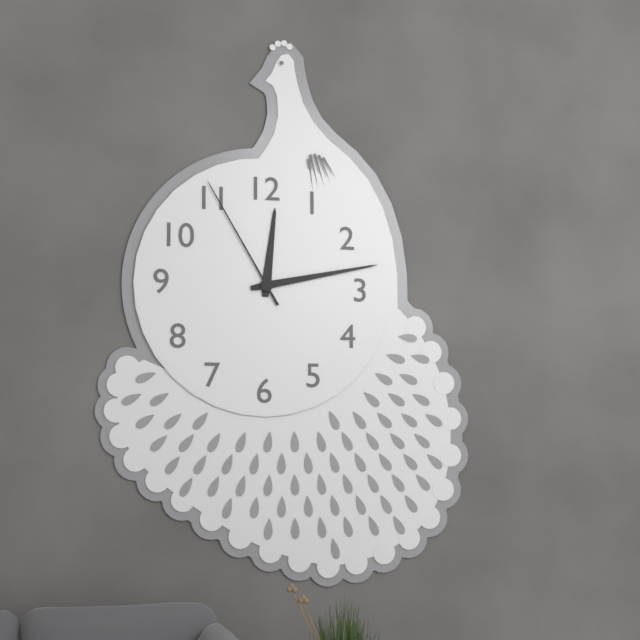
12,13,55
